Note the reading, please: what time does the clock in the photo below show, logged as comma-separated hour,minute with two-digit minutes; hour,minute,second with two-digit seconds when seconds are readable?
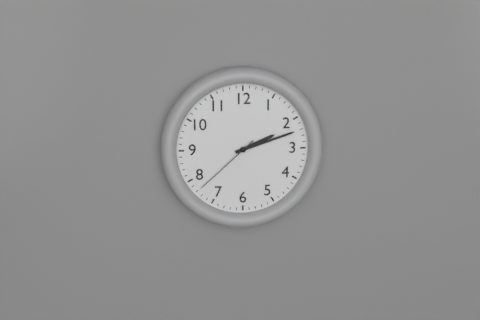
2,12,38
